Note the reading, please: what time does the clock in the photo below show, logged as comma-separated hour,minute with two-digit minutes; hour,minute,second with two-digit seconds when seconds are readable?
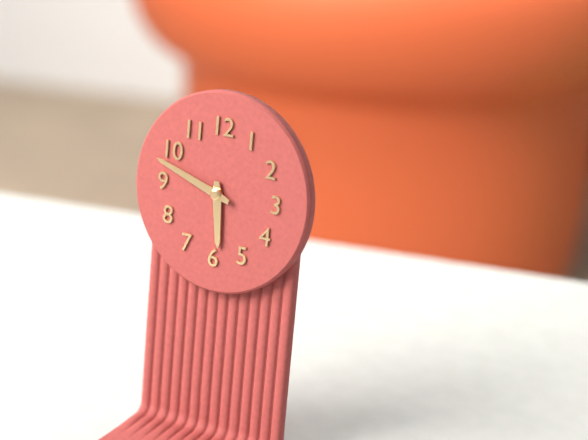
5,48
